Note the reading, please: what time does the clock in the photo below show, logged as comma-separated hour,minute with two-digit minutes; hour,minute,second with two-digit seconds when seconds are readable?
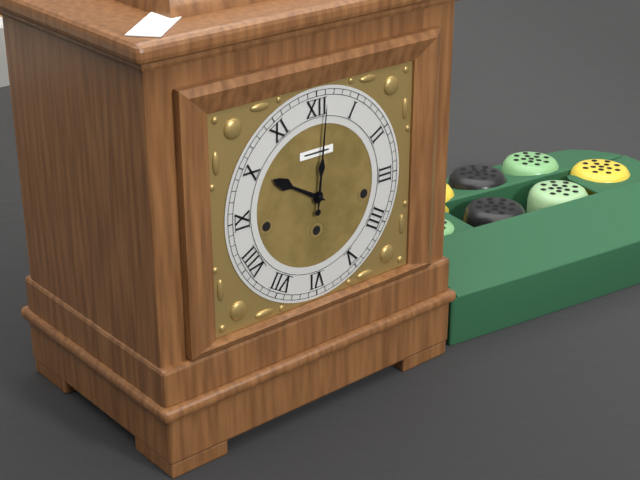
10,01
